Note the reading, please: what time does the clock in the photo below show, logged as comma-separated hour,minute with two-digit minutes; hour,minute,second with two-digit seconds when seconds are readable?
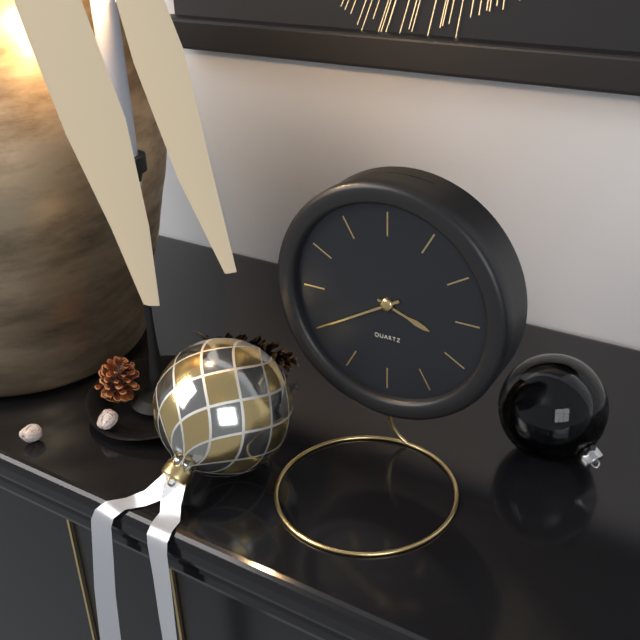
3,40
